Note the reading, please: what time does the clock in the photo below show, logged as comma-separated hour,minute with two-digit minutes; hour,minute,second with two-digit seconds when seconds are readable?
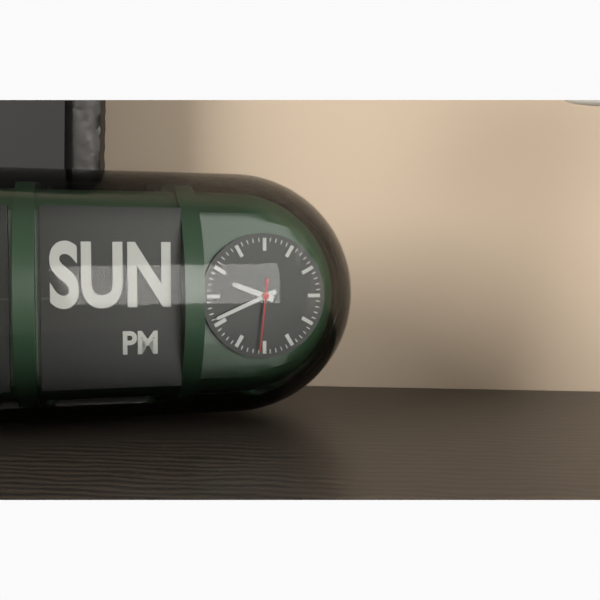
9,41,31
